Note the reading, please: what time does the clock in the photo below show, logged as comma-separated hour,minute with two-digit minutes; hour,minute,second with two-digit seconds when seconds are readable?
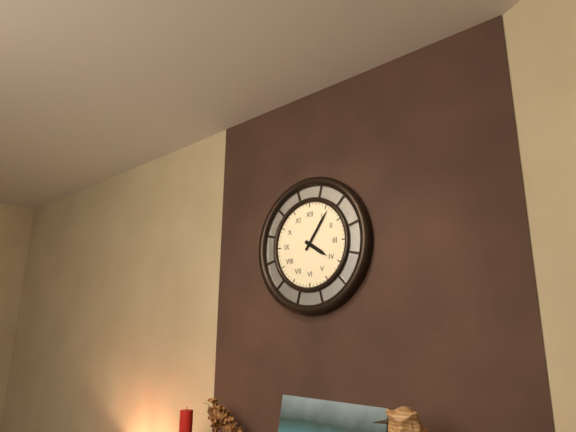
4,06
